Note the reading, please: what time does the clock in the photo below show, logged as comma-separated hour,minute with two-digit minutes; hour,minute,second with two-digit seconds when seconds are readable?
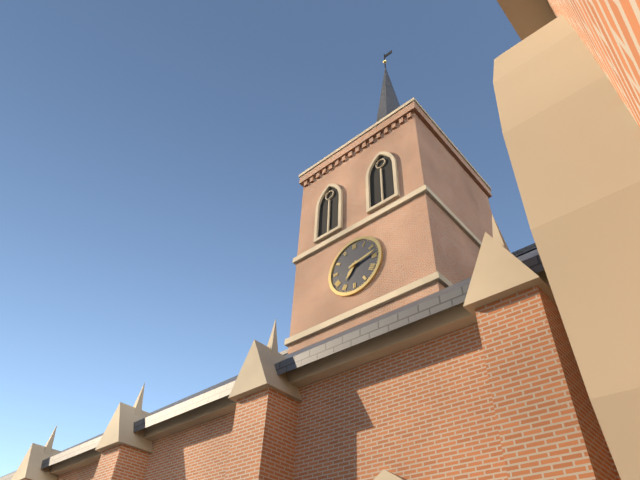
7,13
